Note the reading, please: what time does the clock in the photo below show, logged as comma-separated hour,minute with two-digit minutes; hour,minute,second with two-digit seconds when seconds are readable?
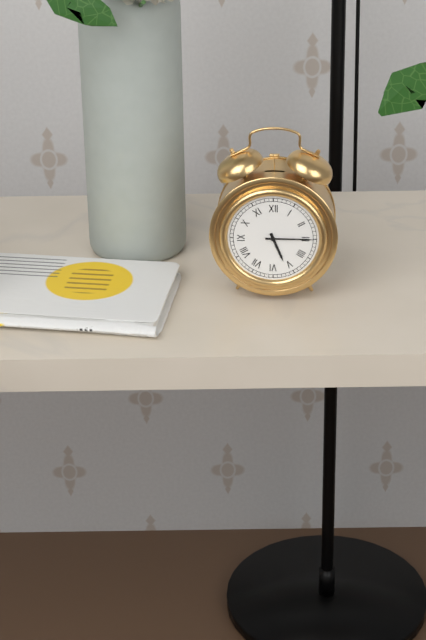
5,15
